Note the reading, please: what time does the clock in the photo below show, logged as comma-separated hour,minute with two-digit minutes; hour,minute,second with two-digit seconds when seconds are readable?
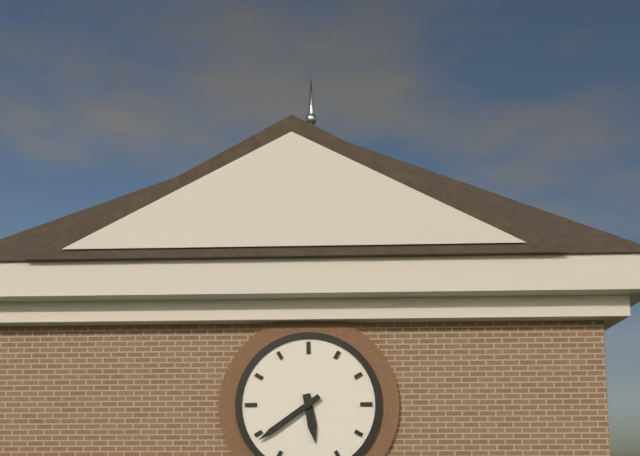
5,39
